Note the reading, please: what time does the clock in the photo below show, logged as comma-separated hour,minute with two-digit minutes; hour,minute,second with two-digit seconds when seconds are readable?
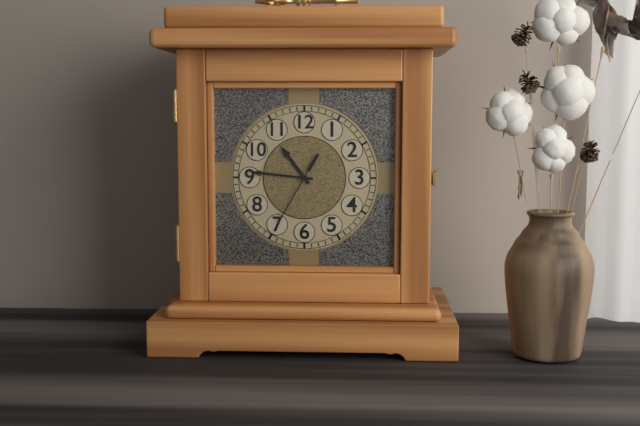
10,46,35
